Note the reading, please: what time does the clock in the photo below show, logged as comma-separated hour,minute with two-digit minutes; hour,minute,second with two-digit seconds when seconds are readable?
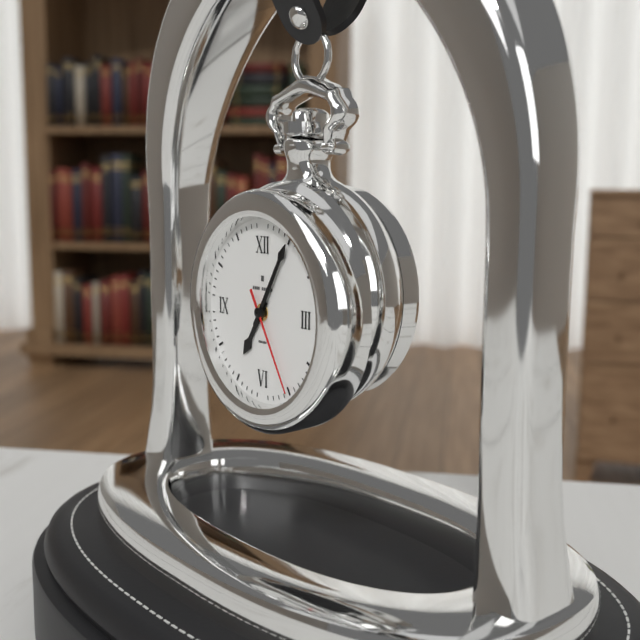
7,05,25
